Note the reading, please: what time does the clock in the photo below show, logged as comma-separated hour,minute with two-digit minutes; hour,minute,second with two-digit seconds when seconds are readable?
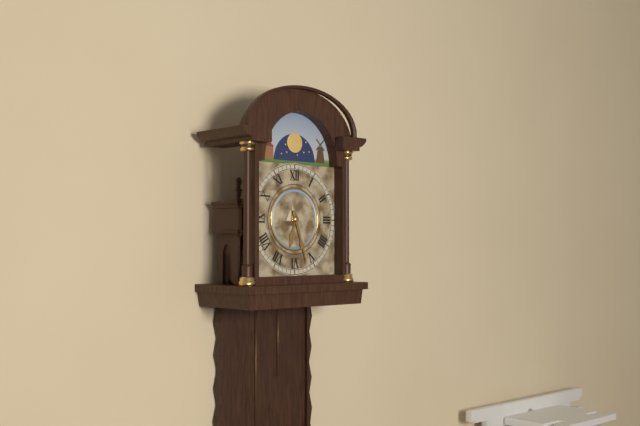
6,27
